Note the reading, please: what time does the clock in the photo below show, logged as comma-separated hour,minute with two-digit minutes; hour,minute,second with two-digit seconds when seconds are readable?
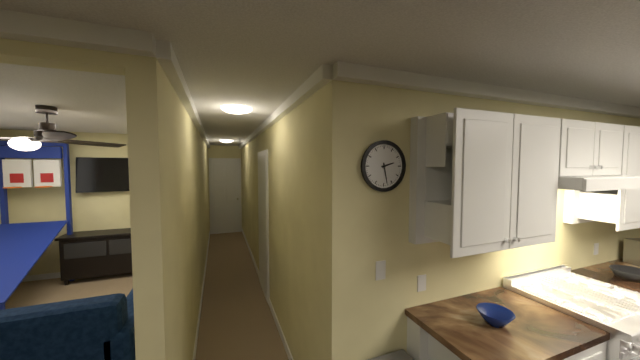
2,28
